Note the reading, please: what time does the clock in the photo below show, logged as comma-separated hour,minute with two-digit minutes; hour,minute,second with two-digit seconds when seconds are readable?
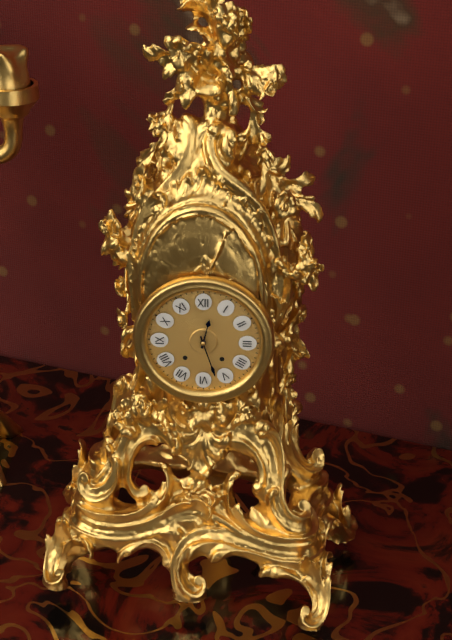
12,27
